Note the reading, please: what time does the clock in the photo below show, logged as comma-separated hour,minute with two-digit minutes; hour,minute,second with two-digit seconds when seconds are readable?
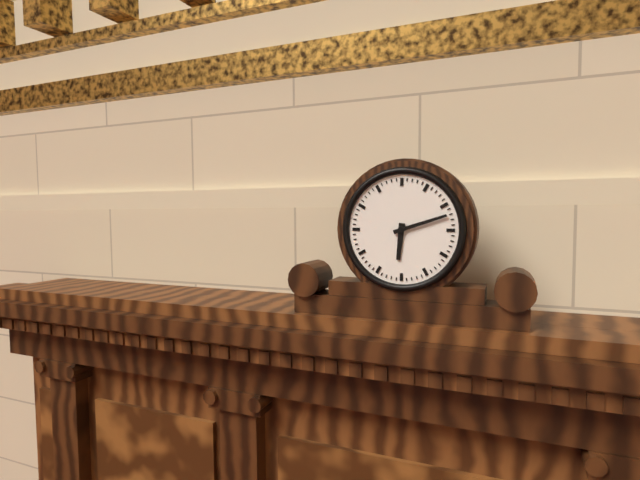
6,12
